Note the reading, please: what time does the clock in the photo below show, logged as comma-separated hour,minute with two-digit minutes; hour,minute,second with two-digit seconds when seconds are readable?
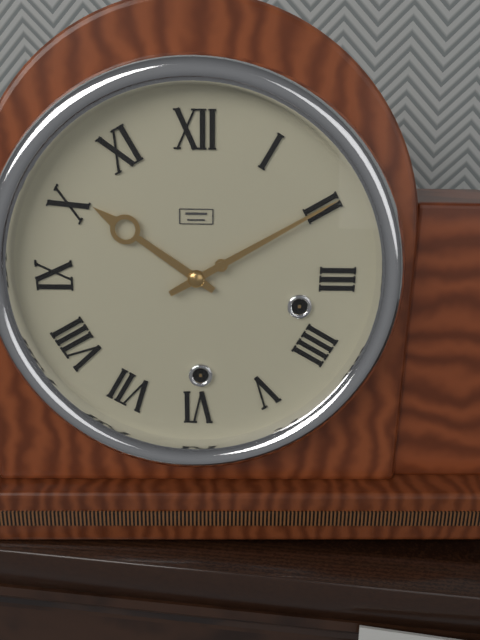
10,10
